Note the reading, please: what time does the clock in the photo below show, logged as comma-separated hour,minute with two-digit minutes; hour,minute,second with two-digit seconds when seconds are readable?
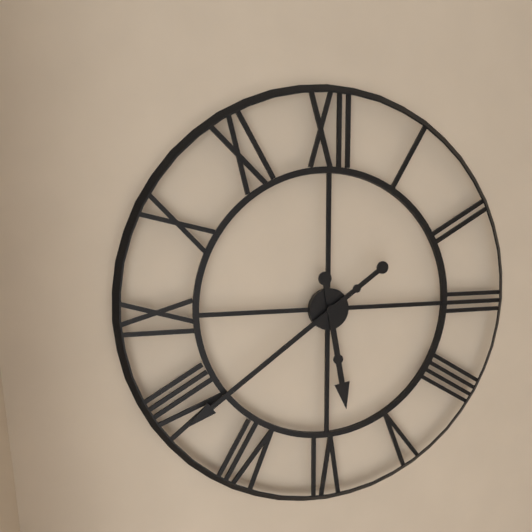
5,39
